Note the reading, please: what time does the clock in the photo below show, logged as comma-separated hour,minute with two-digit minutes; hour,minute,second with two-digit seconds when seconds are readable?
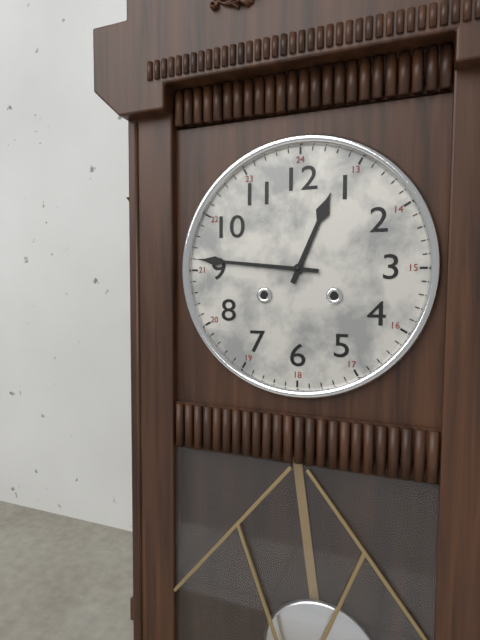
12,46
